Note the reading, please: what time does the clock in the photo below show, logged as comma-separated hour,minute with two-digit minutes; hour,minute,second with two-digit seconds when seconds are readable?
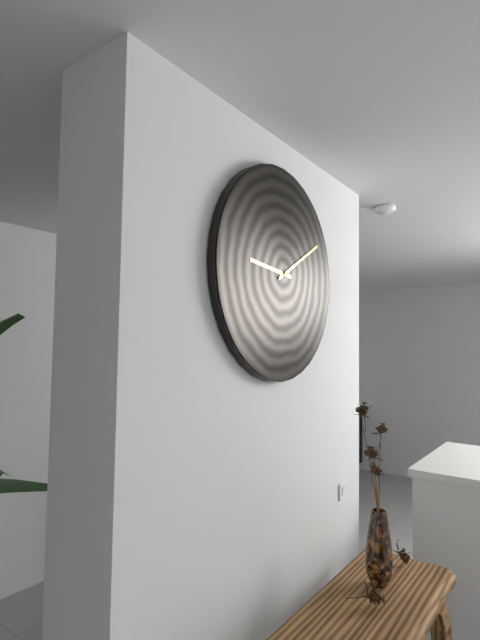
9,10
